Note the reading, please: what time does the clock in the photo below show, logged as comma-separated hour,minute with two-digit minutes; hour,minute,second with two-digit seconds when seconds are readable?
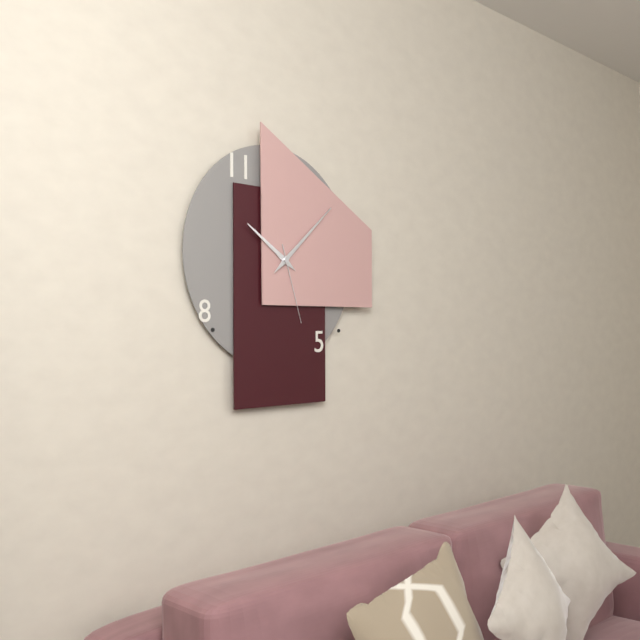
10,08,27
